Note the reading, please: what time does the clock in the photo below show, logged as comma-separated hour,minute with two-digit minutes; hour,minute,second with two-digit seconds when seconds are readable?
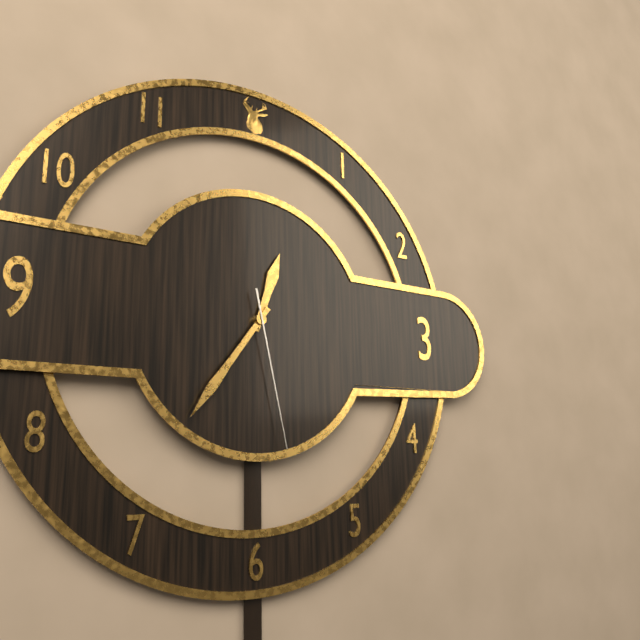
12,36,28
